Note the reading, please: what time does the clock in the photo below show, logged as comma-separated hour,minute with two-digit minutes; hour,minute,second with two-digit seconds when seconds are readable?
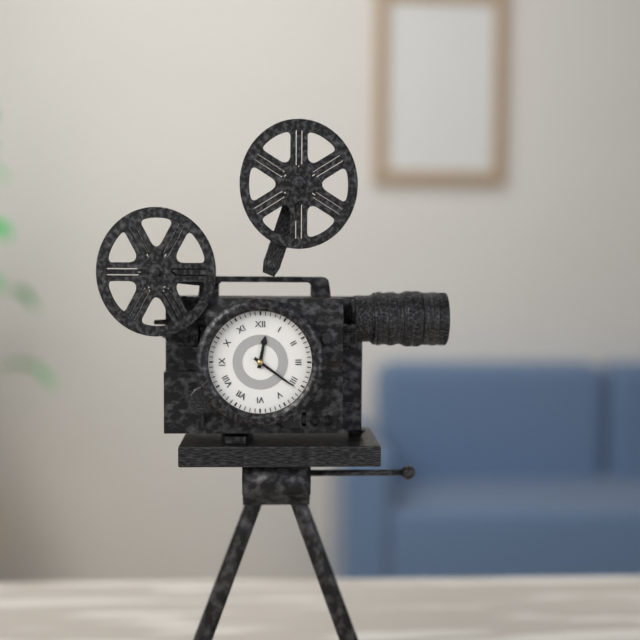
12,21
